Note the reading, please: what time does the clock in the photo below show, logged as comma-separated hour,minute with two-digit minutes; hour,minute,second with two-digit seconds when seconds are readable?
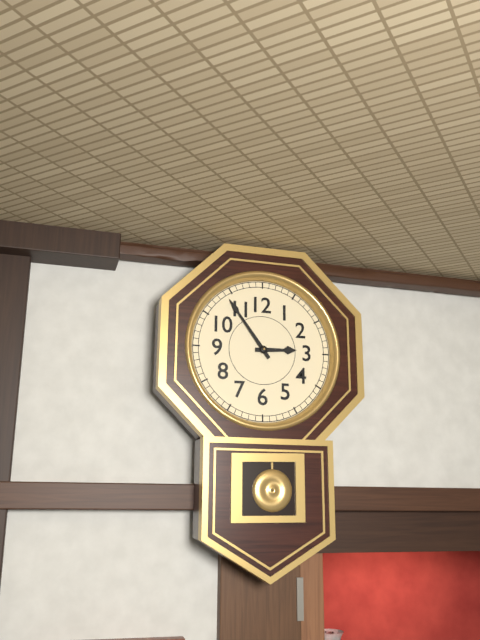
2,54
